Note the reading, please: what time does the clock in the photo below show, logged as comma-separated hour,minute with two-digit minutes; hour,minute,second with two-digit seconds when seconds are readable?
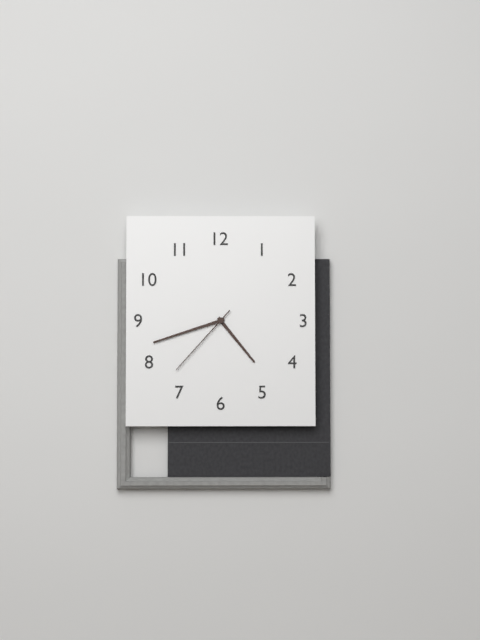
4,42,37
